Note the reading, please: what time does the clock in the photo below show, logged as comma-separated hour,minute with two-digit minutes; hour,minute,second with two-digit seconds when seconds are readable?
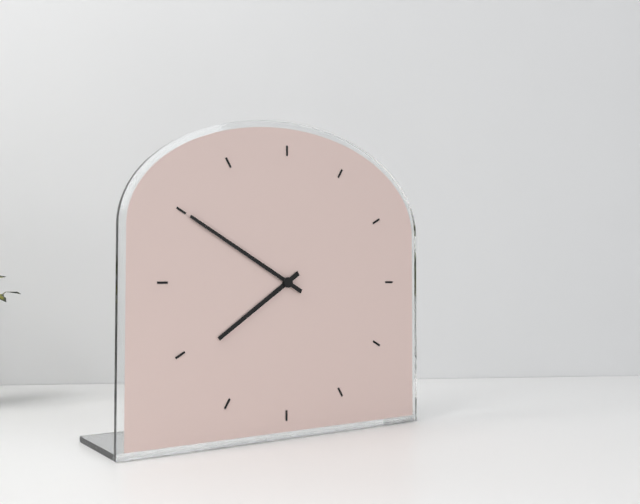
7,50
